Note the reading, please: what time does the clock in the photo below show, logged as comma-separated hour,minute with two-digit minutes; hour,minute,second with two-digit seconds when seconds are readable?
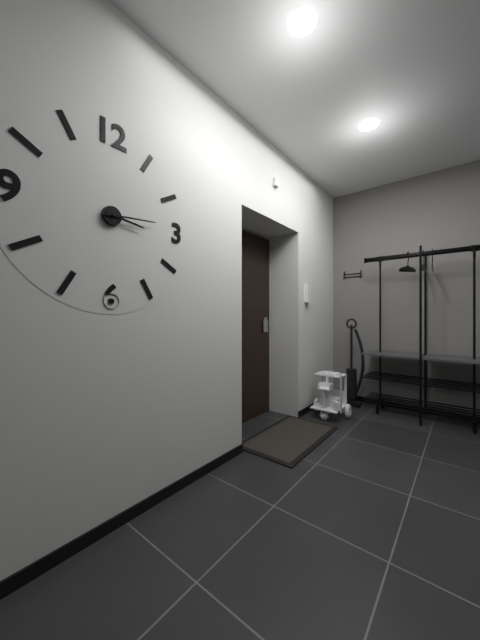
3,14
